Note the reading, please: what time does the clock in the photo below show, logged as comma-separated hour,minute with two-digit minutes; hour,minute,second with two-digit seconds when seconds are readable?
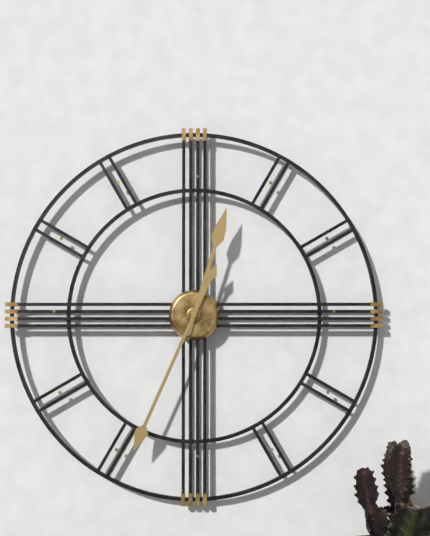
12,34
